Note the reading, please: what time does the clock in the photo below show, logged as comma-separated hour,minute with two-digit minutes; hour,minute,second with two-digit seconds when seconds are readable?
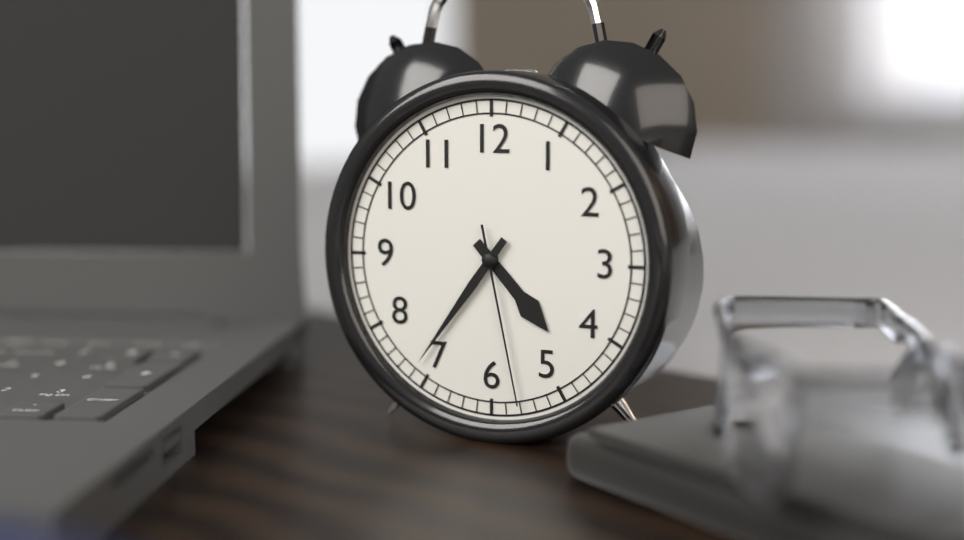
4,36,28
